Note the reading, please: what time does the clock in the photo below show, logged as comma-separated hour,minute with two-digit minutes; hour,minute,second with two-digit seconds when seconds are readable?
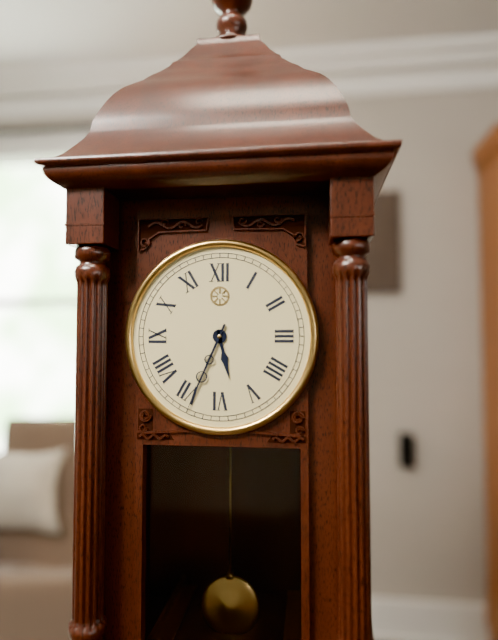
5,34
